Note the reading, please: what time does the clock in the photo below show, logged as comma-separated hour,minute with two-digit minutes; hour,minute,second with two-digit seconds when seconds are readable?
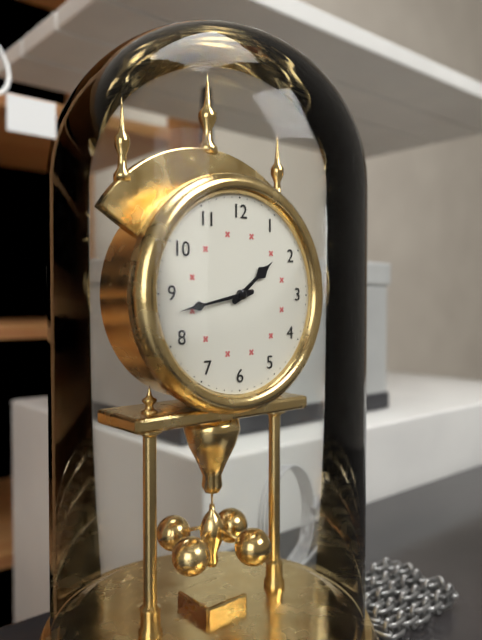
1,43
